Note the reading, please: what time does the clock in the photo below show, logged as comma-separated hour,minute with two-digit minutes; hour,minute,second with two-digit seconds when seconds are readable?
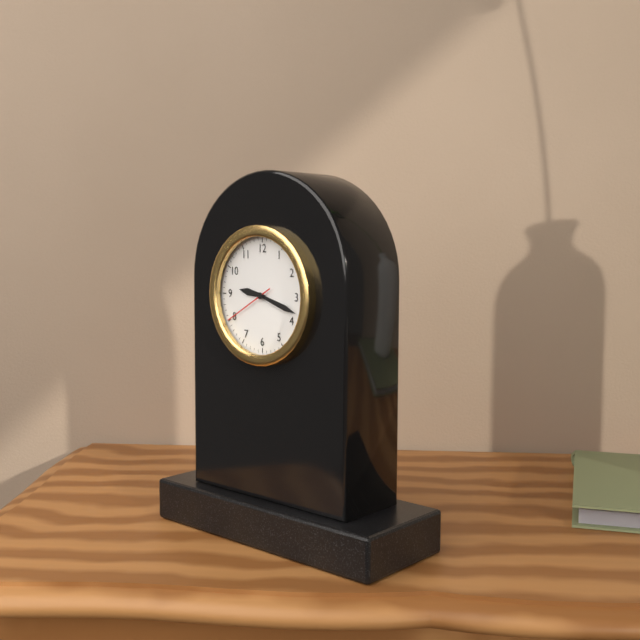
9,18,40
